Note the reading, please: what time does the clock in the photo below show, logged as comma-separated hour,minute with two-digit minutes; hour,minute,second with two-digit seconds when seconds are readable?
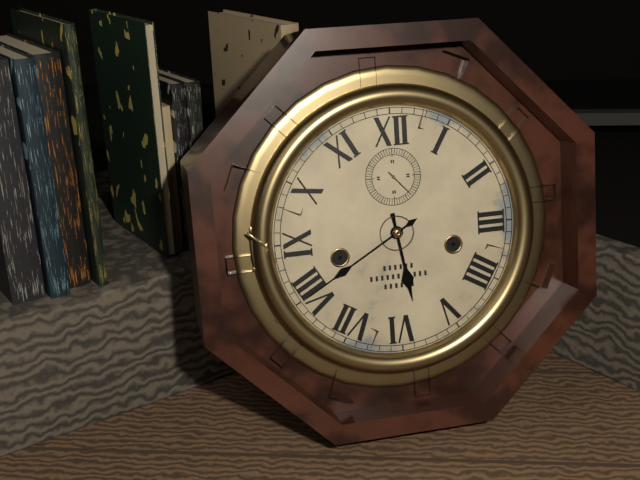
5,40
